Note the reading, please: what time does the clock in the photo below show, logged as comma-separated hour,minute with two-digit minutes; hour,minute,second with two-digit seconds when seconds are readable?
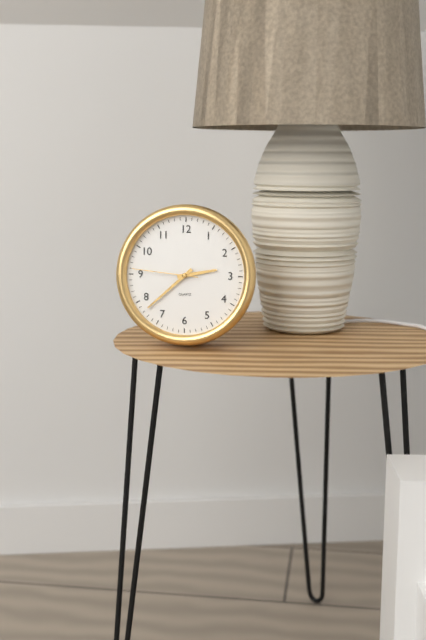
2,38,46
